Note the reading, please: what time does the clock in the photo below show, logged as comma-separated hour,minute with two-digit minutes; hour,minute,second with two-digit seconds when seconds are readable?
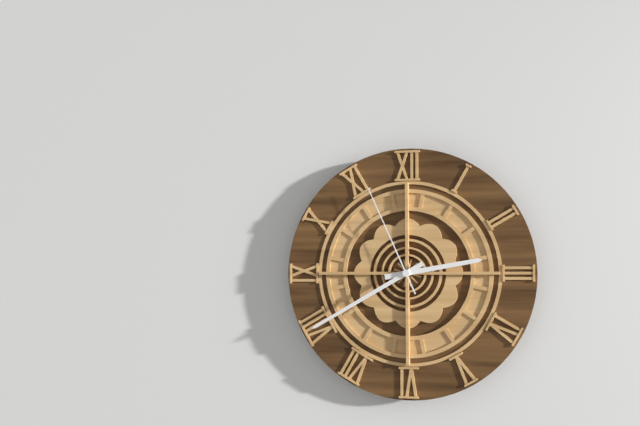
2,40,56
